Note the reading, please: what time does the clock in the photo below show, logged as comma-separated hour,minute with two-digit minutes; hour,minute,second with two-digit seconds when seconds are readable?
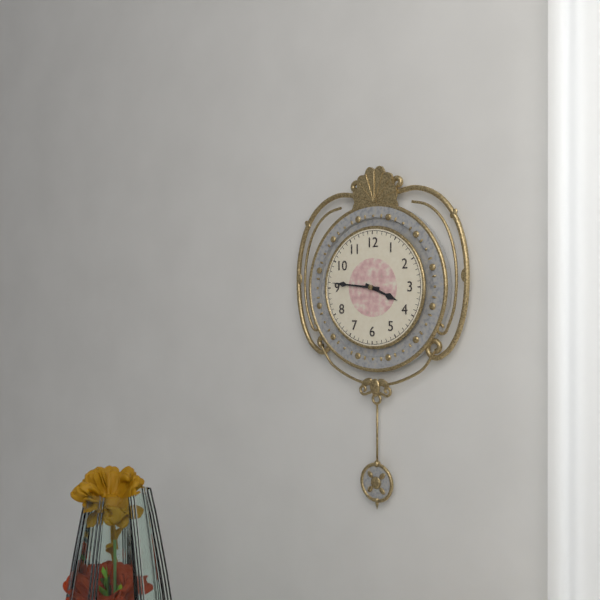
3,46
